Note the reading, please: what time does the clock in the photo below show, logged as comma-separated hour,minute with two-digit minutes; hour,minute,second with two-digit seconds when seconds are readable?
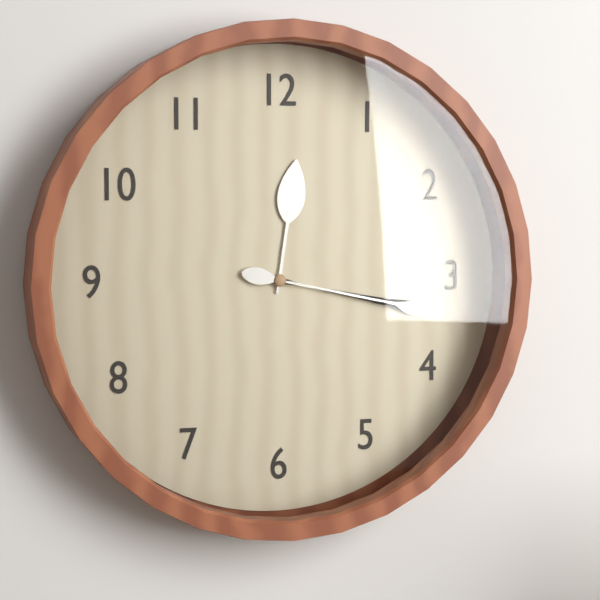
12,17
